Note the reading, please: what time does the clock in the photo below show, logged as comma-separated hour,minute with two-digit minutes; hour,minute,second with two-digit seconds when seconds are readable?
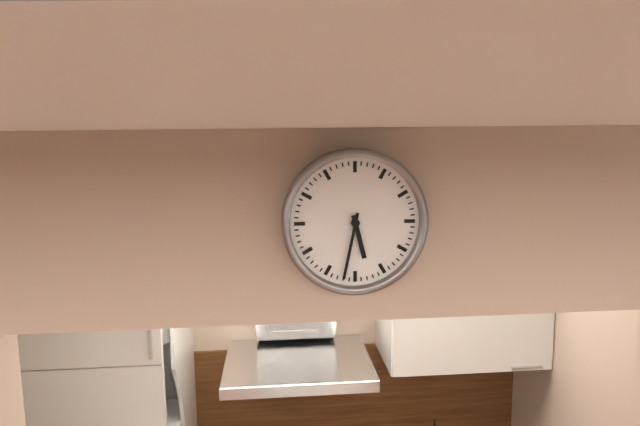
5,32
